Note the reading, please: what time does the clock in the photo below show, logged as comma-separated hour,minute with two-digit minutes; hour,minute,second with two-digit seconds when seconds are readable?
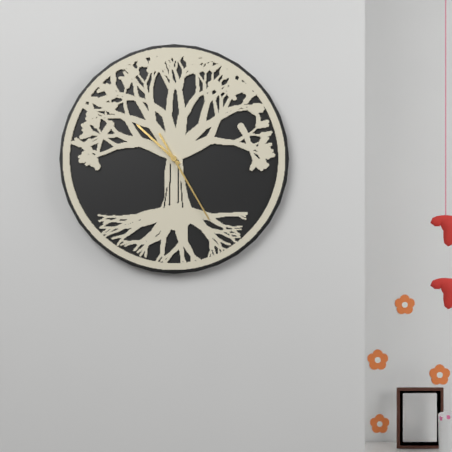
10,25
